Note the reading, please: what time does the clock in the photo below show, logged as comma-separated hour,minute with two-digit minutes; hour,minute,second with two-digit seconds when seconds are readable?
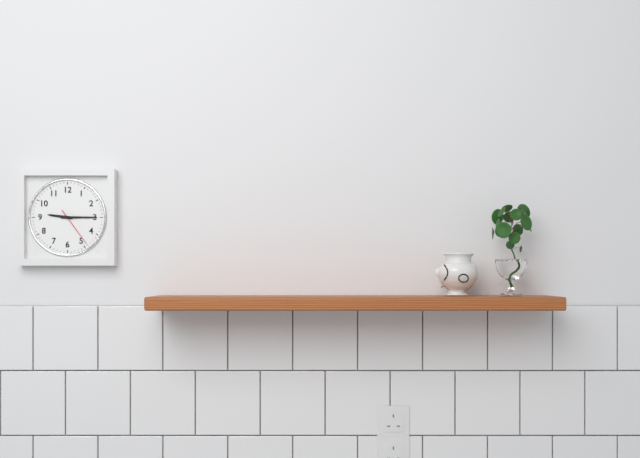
9,15
